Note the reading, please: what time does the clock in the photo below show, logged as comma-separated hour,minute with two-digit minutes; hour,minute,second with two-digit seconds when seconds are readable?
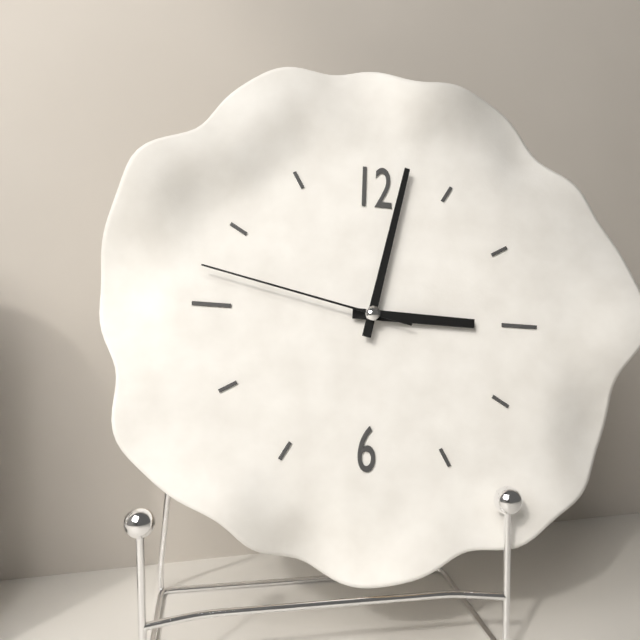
3,02,47
